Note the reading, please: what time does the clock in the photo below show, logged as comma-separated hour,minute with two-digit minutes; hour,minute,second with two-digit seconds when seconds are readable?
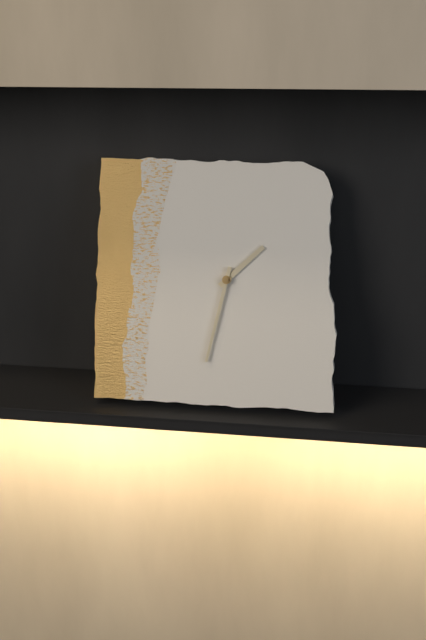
1,32
